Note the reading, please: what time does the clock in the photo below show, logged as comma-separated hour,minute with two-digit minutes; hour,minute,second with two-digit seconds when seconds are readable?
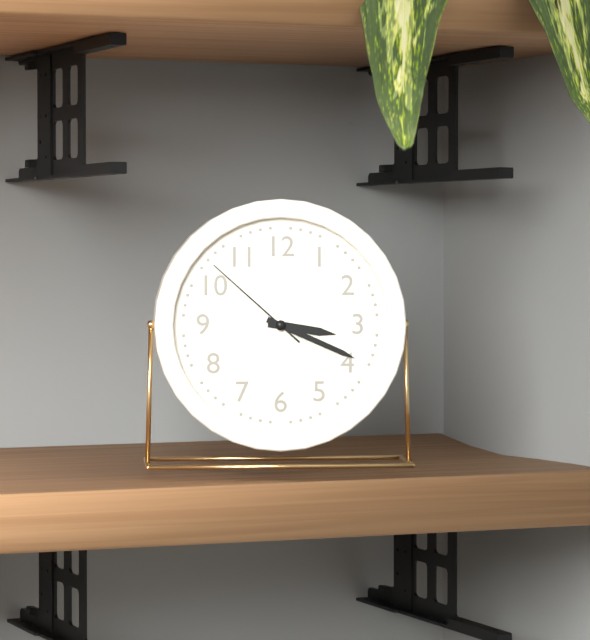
3,19,52
